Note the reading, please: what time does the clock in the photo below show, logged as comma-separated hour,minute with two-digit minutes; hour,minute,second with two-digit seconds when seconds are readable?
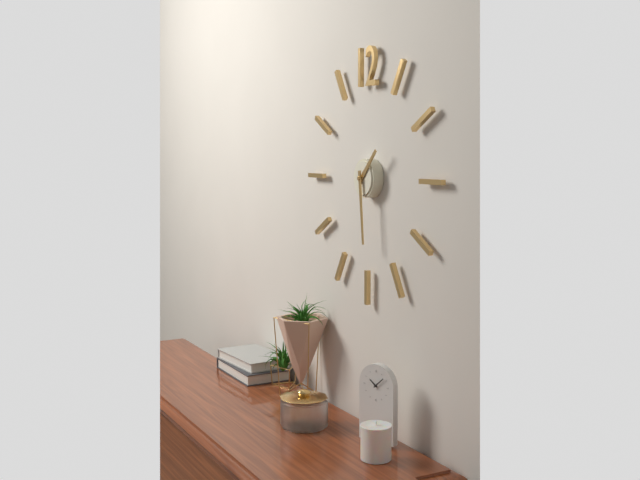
1,29
